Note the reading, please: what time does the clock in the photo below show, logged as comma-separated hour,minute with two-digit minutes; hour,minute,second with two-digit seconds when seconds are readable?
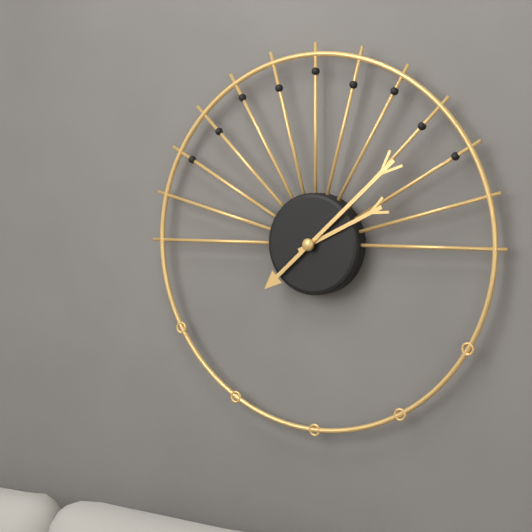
2,08
